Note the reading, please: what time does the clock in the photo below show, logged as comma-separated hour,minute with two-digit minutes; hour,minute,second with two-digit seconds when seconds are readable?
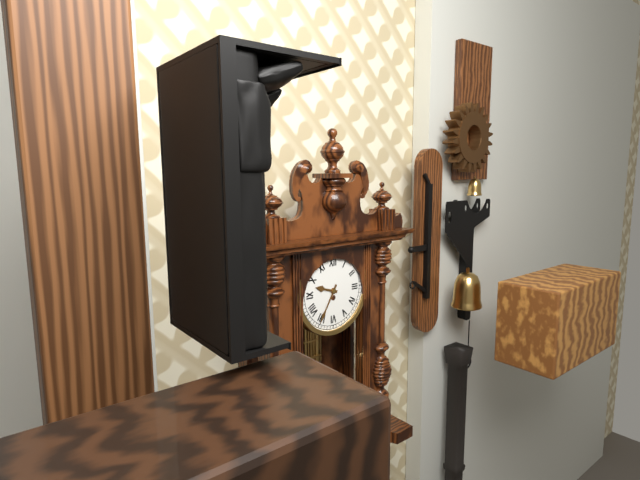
9,35
